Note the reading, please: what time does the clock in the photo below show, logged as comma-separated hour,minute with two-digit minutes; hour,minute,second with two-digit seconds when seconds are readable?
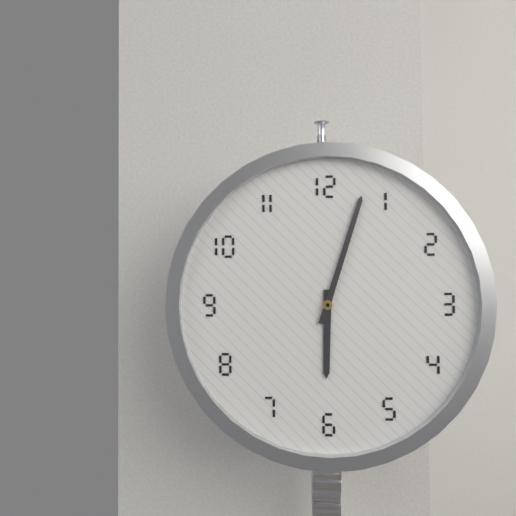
6,03
